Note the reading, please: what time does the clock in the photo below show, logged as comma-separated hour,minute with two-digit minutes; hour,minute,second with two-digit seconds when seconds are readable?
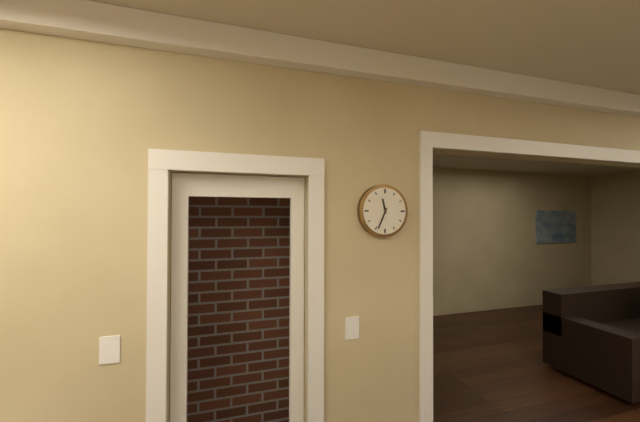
11,34
